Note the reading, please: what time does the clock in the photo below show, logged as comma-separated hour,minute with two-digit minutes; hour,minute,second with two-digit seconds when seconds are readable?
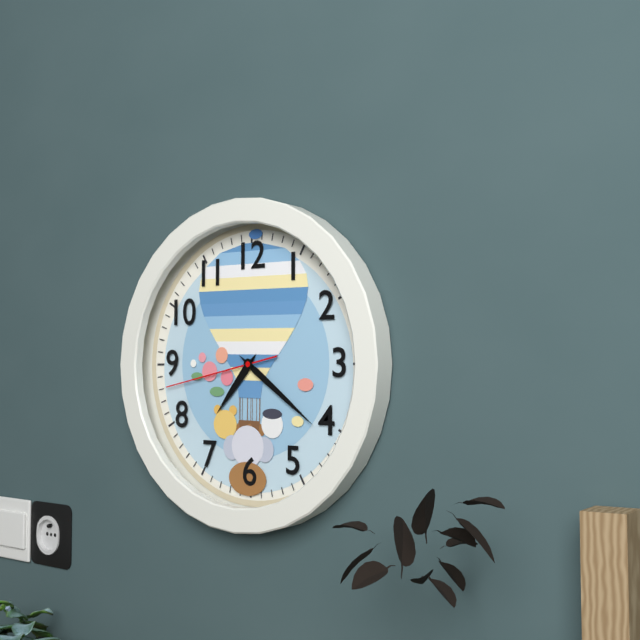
7,21,43
